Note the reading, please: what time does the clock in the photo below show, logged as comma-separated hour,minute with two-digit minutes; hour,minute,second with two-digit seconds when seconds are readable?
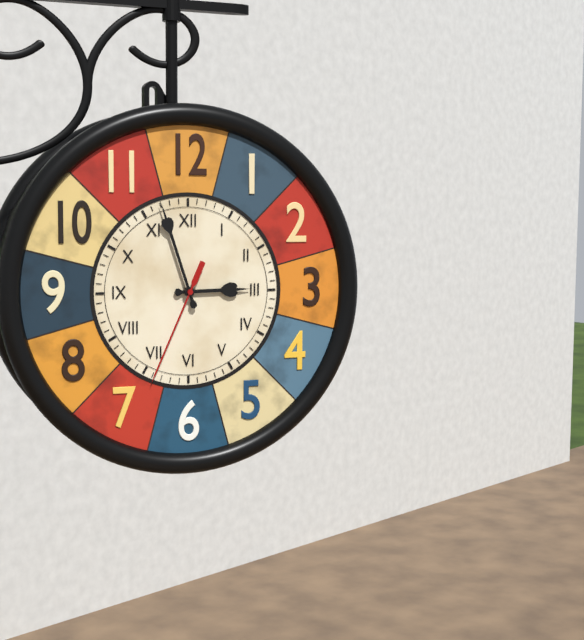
2,57,34
